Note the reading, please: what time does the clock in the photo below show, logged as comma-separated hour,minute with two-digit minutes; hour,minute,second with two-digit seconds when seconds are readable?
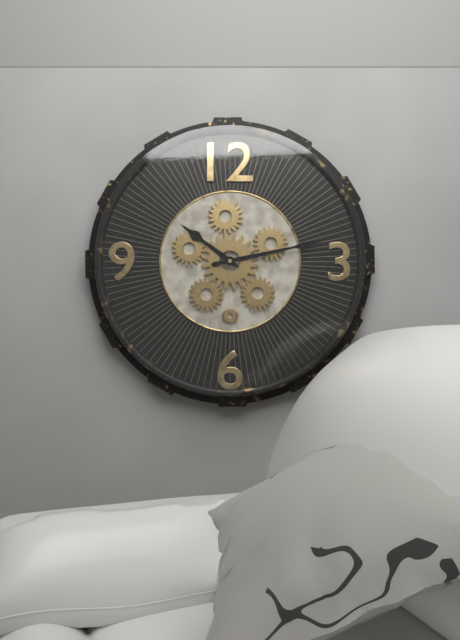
10,13
